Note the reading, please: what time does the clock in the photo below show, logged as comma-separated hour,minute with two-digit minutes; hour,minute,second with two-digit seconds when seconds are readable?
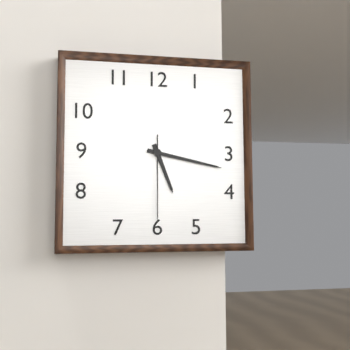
5,17,30
